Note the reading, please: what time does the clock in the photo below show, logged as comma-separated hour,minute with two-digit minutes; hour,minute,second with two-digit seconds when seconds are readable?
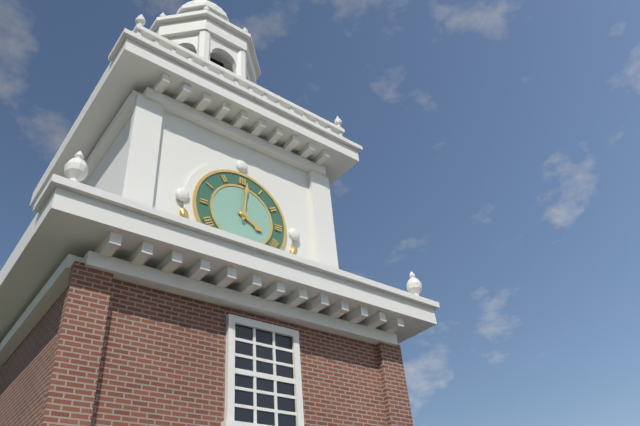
4,01
